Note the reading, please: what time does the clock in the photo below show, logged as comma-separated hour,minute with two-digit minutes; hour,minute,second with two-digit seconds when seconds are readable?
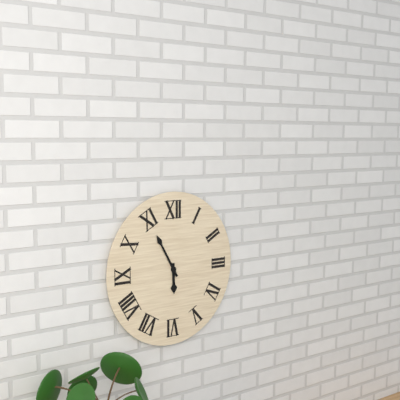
5,55
